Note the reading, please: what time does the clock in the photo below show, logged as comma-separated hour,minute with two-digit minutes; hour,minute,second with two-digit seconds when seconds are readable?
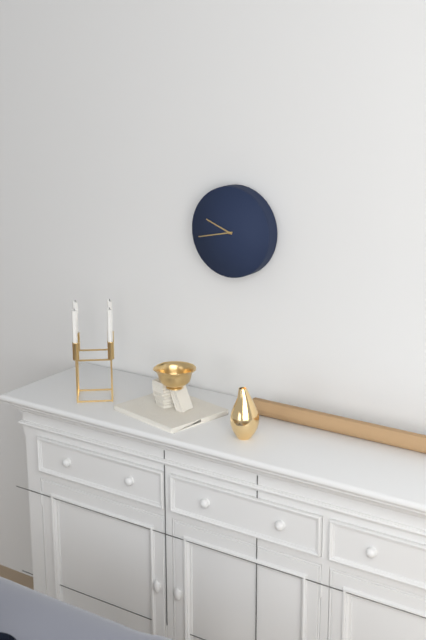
9,43
